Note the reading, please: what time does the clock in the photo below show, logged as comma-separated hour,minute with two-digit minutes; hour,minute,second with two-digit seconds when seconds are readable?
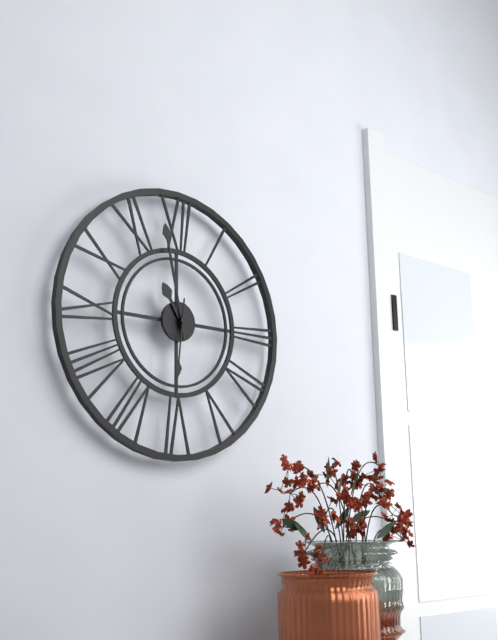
10,58,31
